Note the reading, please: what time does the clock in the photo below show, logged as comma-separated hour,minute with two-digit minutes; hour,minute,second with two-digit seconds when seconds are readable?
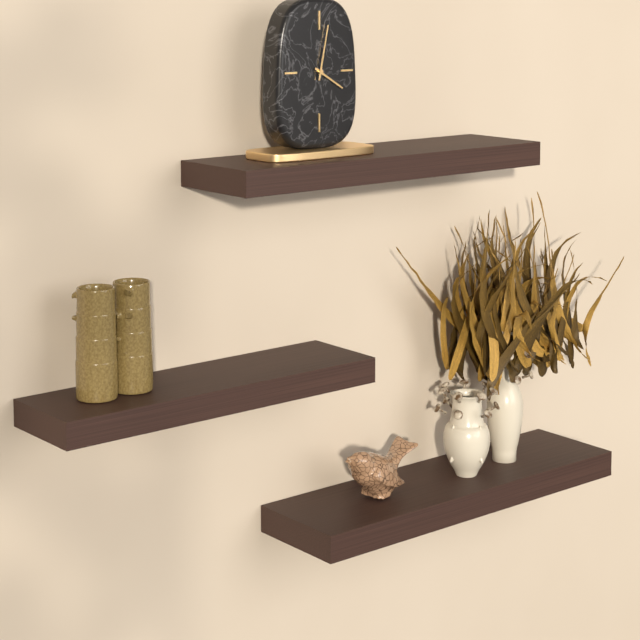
4,02
